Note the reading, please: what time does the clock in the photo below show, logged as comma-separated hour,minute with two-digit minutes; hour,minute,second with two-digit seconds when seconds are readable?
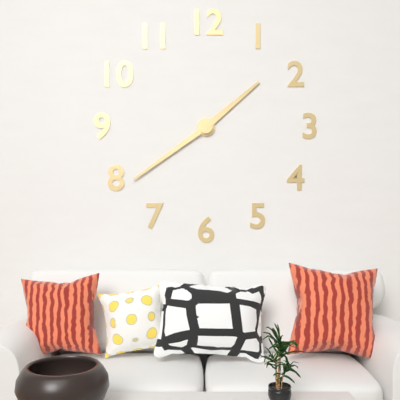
1,39
